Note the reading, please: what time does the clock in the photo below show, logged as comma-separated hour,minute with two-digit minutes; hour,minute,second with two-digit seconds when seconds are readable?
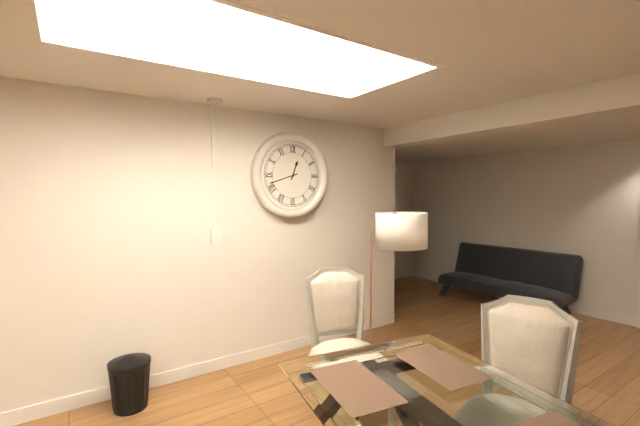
12,42
